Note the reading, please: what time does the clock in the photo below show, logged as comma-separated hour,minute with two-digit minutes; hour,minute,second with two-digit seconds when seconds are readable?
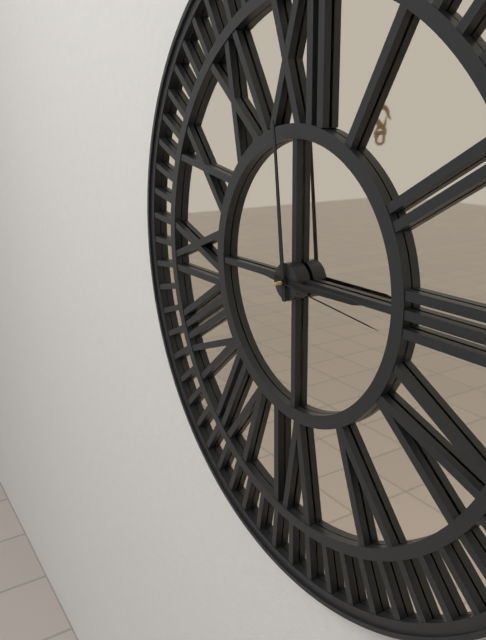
2,59,16
